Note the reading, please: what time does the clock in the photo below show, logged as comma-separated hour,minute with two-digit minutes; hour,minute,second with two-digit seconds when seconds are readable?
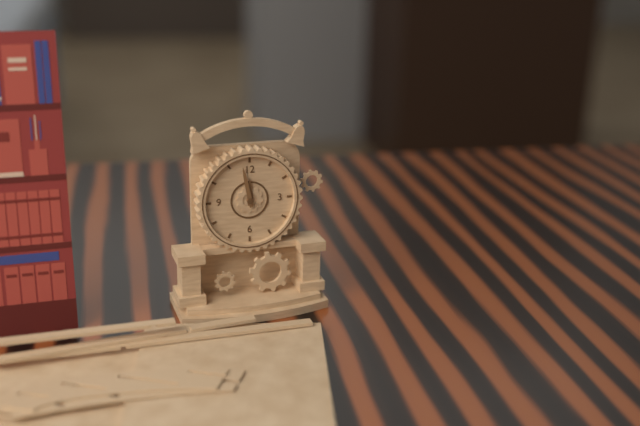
11,58
